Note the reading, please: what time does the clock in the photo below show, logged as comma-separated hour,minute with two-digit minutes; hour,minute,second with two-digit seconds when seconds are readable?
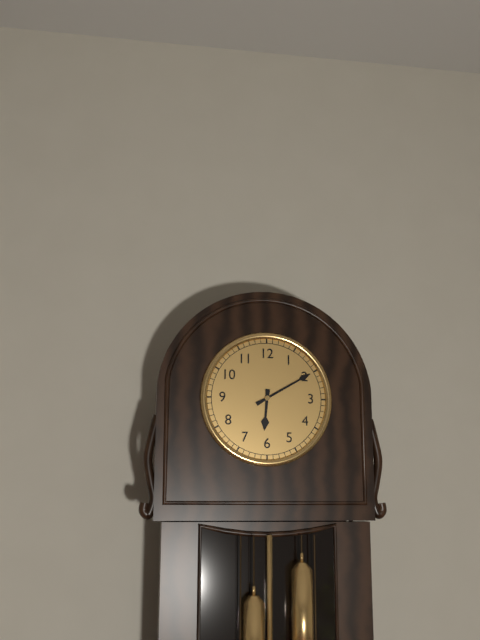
6,10
